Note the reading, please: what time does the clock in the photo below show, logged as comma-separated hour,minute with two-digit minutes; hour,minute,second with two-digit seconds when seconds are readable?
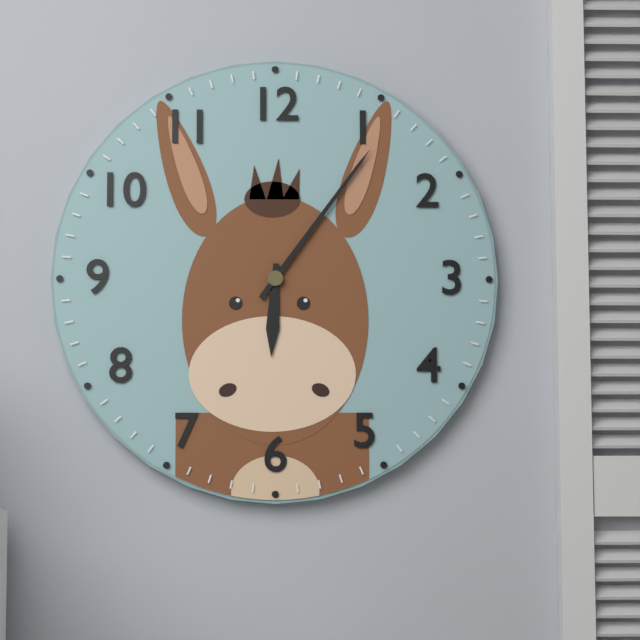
6,06
